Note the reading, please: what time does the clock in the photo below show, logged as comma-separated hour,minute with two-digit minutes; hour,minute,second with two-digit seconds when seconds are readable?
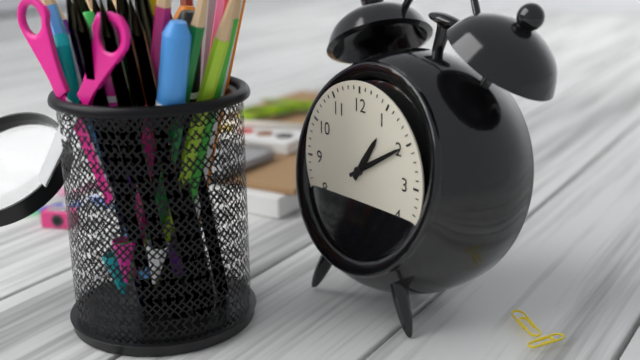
1,10
